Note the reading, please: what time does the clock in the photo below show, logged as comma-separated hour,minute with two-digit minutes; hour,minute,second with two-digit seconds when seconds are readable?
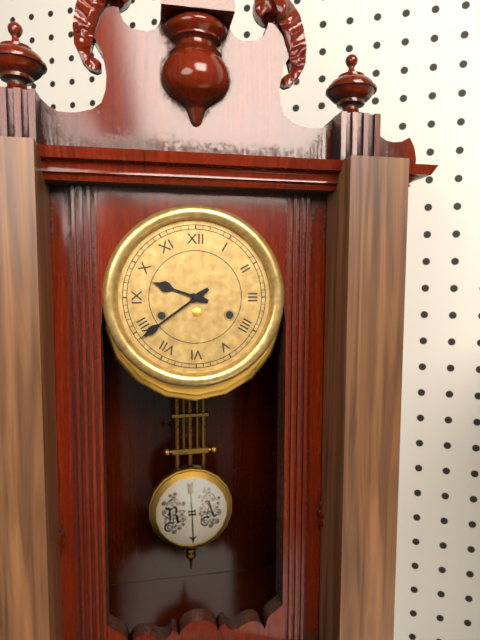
9,39
